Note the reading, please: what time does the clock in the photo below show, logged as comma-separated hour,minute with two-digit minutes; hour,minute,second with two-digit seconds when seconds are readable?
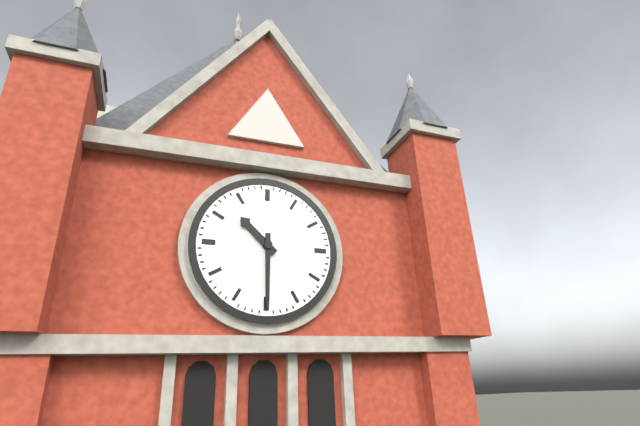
10,30
